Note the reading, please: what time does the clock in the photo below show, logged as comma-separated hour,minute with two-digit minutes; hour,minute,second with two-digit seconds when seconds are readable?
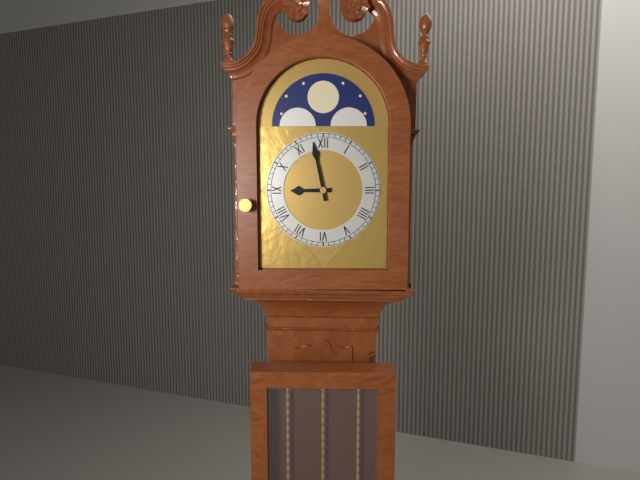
8,58
